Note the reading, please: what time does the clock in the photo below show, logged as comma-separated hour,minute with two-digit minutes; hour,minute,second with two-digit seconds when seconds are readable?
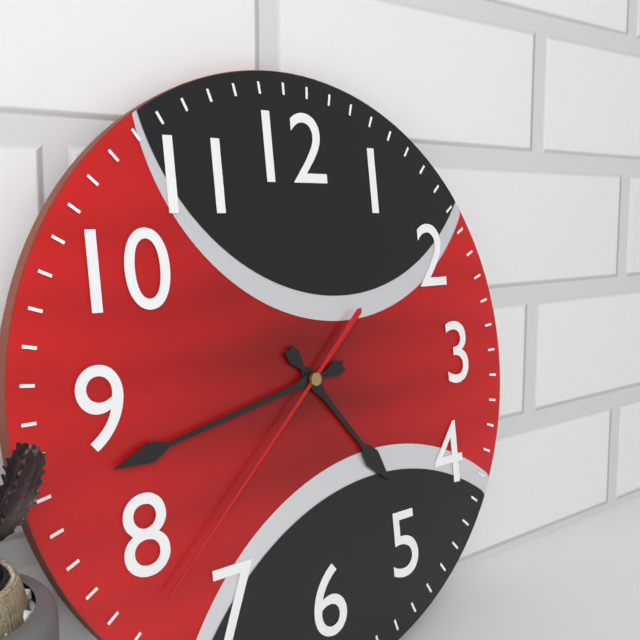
4,43,38
